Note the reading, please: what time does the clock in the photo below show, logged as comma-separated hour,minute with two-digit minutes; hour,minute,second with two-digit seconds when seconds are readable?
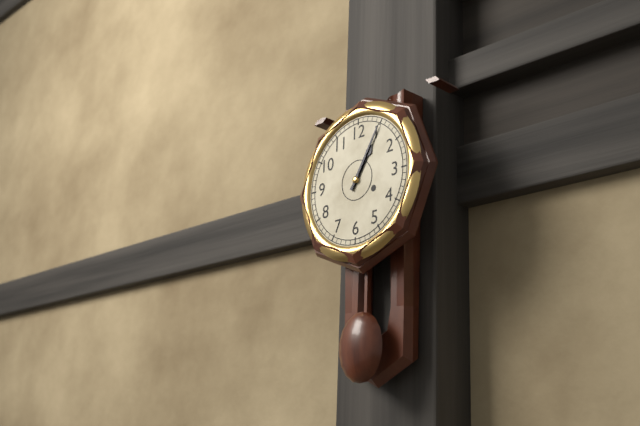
1,05
